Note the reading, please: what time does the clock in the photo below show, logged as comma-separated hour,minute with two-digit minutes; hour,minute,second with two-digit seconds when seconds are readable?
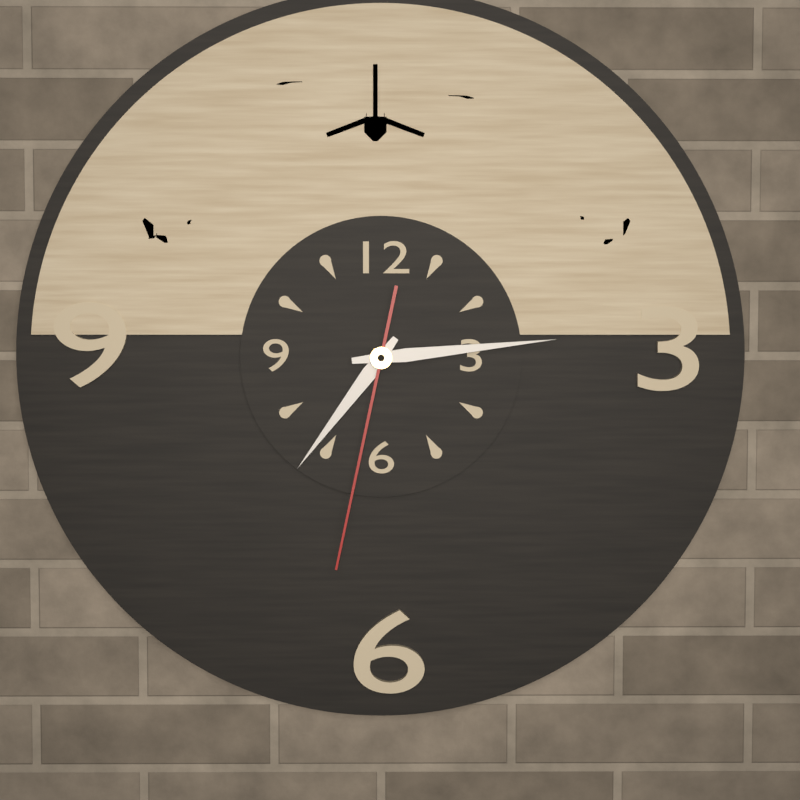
7,14,32
